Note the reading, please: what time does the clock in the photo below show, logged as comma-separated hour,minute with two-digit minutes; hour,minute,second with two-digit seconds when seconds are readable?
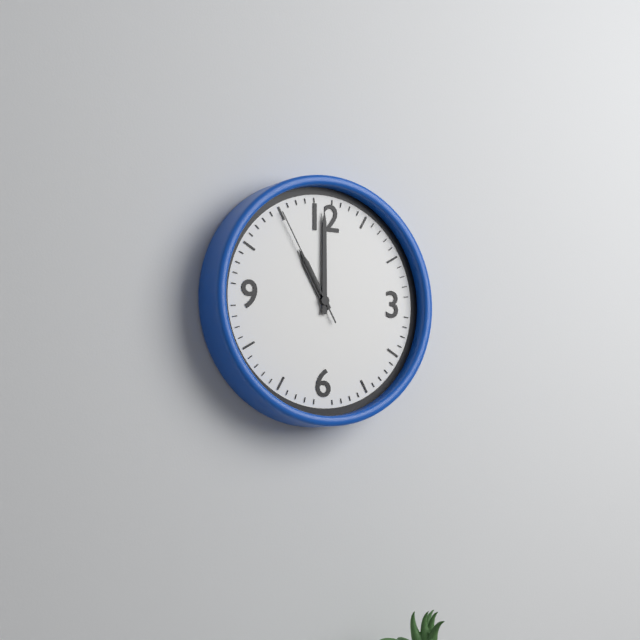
11,00,55
